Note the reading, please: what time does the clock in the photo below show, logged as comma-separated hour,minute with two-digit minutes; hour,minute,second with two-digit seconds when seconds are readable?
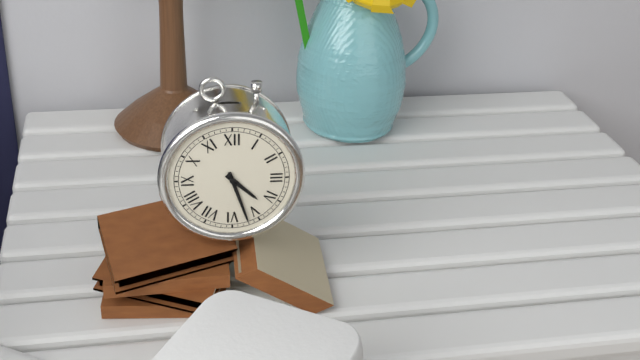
4,27
